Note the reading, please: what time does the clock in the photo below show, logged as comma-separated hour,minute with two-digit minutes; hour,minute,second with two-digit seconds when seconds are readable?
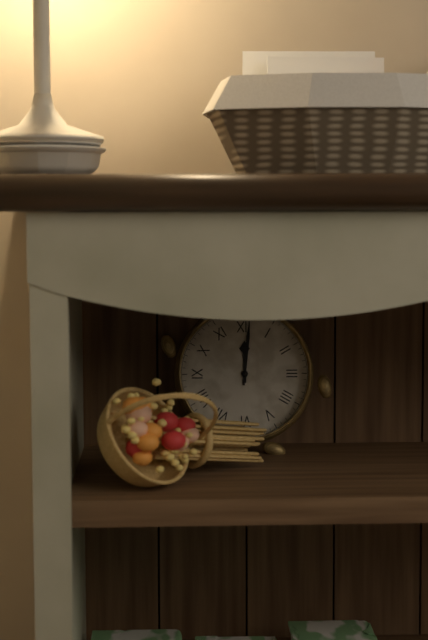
12,01
